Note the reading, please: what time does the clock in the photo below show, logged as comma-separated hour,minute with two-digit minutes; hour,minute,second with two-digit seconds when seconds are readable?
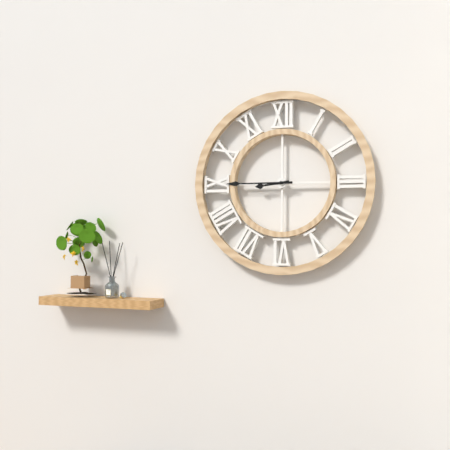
8,45
